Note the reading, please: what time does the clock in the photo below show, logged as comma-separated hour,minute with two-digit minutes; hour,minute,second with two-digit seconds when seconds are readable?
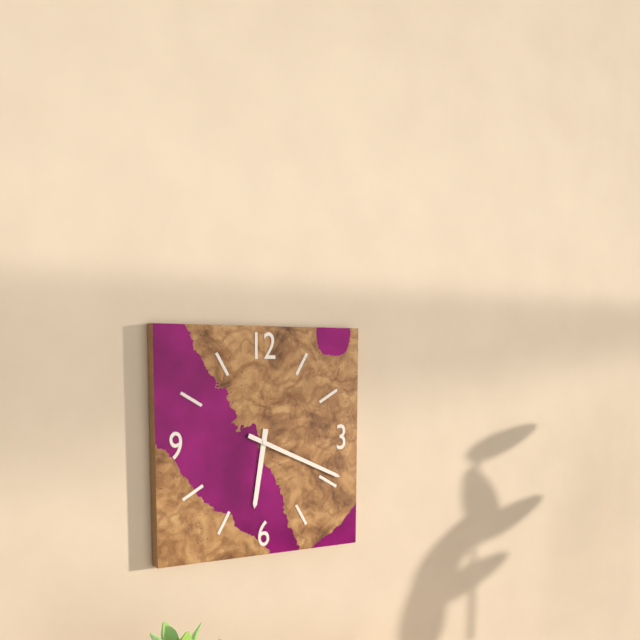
6,19
